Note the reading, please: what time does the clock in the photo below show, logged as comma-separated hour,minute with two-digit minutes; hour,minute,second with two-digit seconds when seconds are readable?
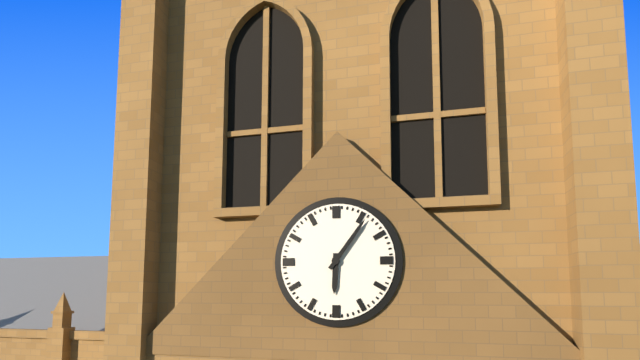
6,06
